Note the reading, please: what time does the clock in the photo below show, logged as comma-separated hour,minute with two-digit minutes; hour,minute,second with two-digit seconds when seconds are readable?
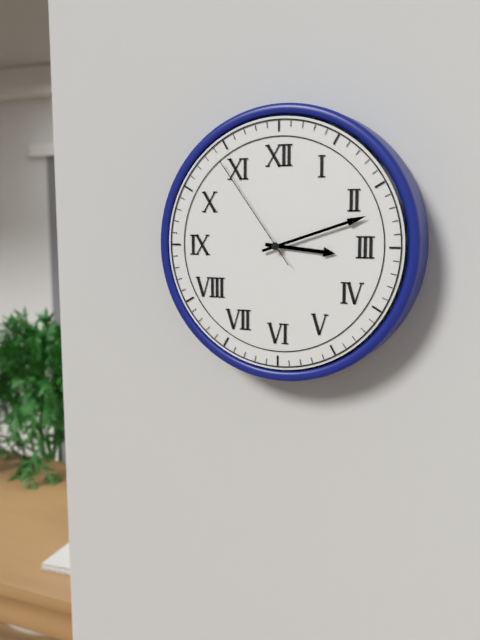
3,12,54
